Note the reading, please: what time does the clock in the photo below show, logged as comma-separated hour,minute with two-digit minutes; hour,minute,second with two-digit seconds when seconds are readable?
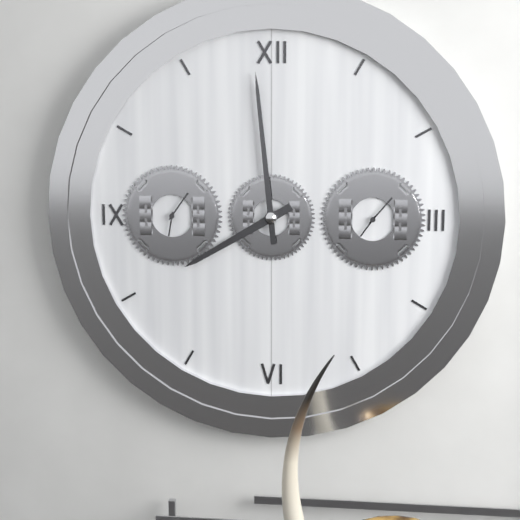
7,59
